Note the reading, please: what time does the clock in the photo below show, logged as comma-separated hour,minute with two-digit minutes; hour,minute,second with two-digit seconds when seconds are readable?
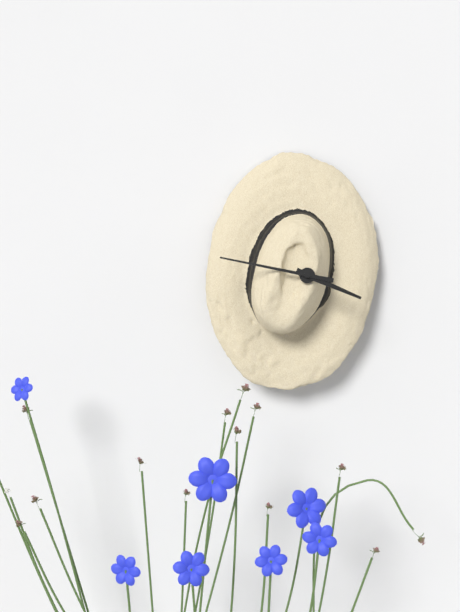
3,47
